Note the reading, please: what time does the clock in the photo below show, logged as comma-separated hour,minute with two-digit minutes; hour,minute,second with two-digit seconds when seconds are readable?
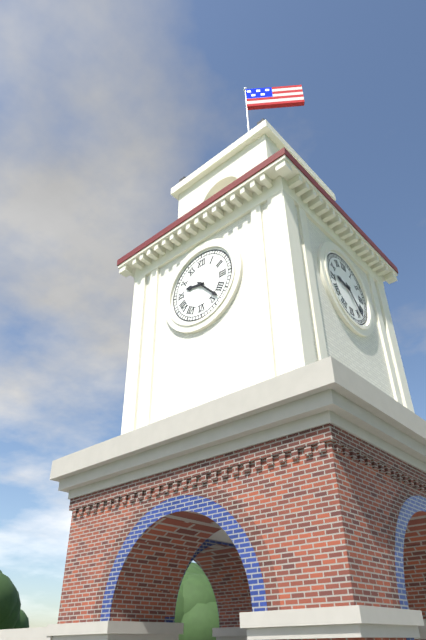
9,23
